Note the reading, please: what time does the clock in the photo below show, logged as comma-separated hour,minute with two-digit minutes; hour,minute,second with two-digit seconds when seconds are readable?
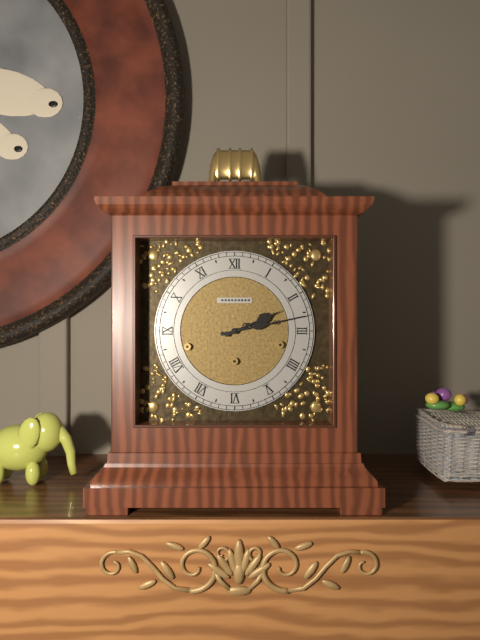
2,13
